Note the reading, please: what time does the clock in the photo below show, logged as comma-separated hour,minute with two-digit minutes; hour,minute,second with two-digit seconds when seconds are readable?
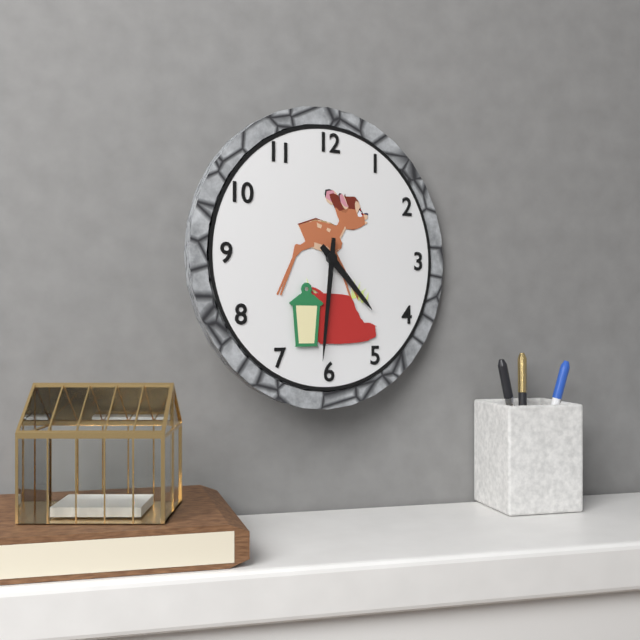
4,31
